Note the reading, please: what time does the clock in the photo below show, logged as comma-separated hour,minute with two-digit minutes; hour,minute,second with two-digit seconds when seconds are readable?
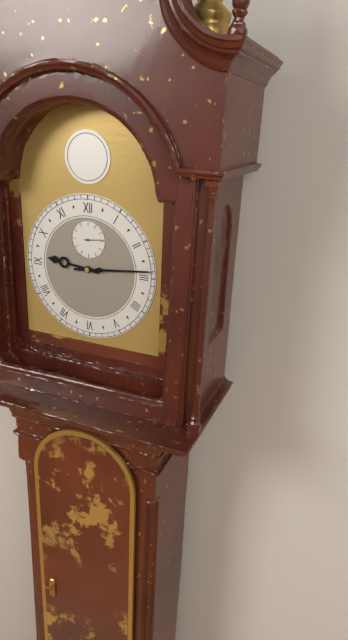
9,14
